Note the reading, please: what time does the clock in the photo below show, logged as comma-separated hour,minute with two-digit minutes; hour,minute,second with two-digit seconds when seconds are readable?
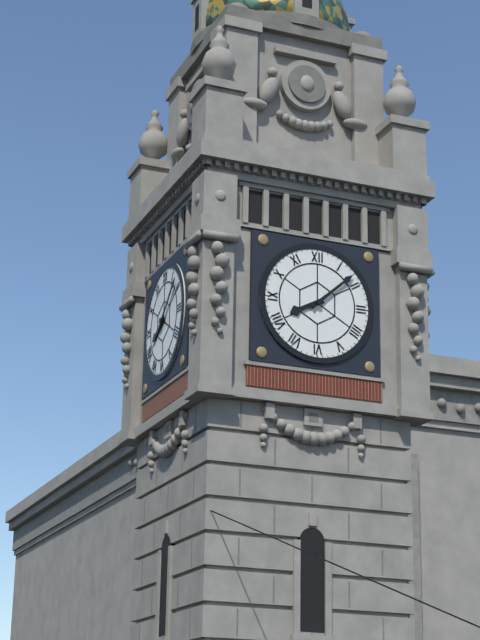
8,08
